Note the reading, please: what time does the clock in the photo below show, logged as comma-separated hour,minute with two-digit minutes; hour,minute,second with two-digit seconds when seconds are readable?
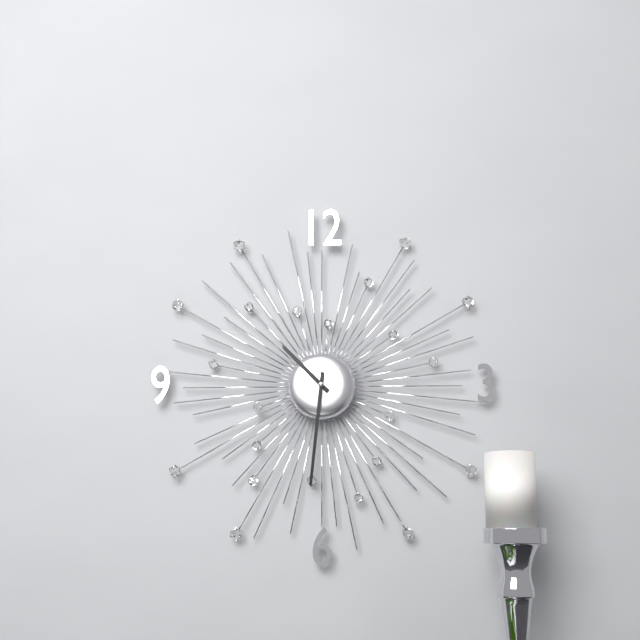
10,31
